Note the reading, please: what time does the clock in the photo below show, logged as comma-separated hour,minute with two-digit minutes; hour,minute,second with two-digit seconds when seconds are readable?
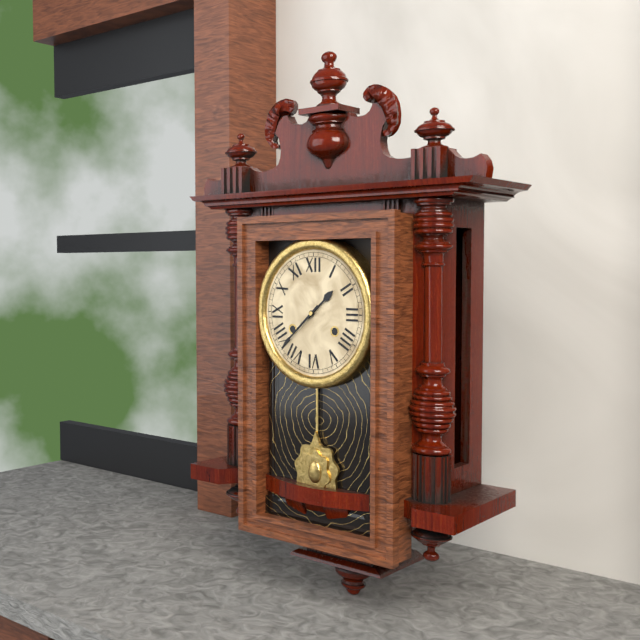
1,38
